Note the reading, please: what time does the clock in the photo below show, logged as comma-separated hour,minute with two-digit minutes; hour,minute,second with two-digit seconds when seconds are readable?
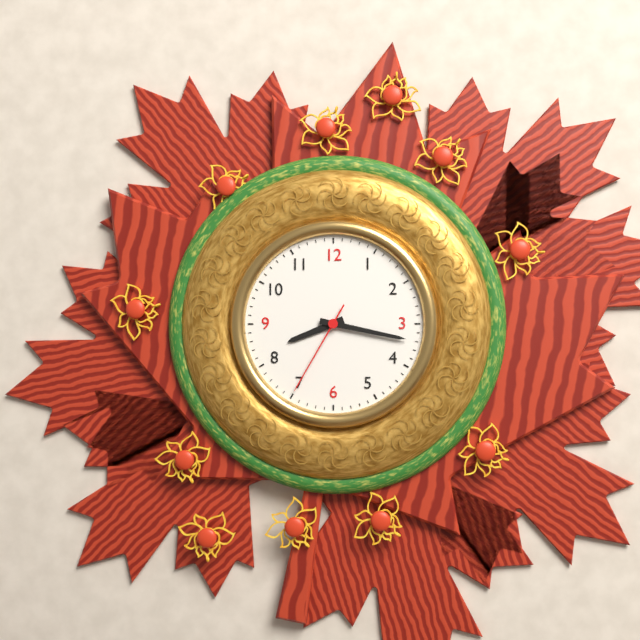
8,17,35
